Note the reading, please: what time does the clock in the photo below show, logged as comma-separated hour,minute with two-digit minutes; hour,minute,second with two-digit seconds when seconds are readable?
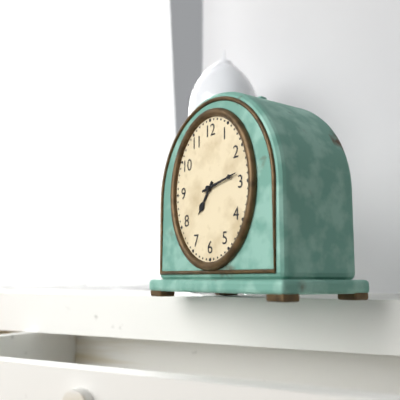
7,13
